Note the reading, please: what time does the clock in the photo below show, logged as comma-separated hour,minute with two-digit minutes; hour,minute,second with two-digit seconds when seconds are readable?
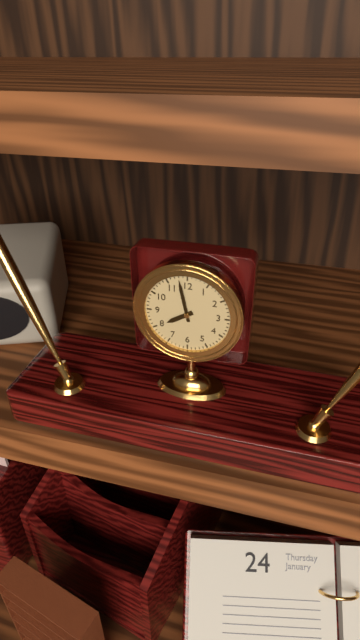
7,58
